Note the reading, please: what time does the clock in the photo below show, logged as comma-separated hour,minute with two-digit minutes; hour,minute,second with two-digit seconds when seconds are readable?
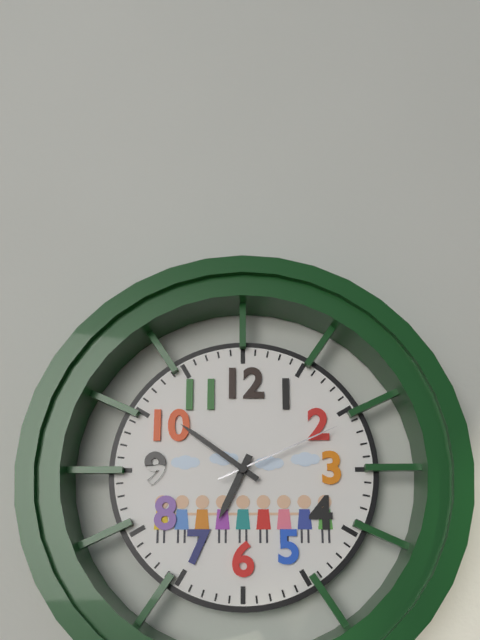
6,51,11
